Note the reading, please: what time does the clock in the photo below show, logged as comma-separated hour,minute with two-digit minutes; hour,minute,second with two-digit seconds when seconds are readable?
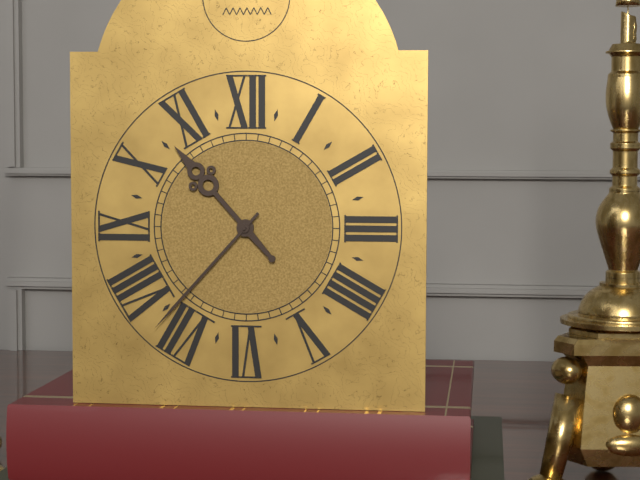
10,37
